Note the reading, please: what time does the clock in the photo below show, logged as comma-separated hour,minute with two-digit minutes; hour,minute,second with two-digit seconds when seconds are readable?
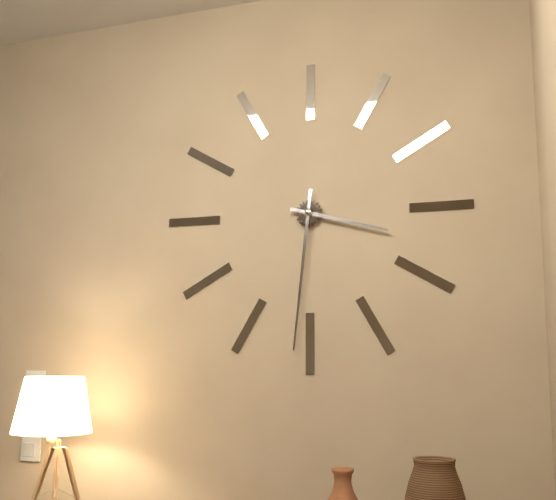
3,31
